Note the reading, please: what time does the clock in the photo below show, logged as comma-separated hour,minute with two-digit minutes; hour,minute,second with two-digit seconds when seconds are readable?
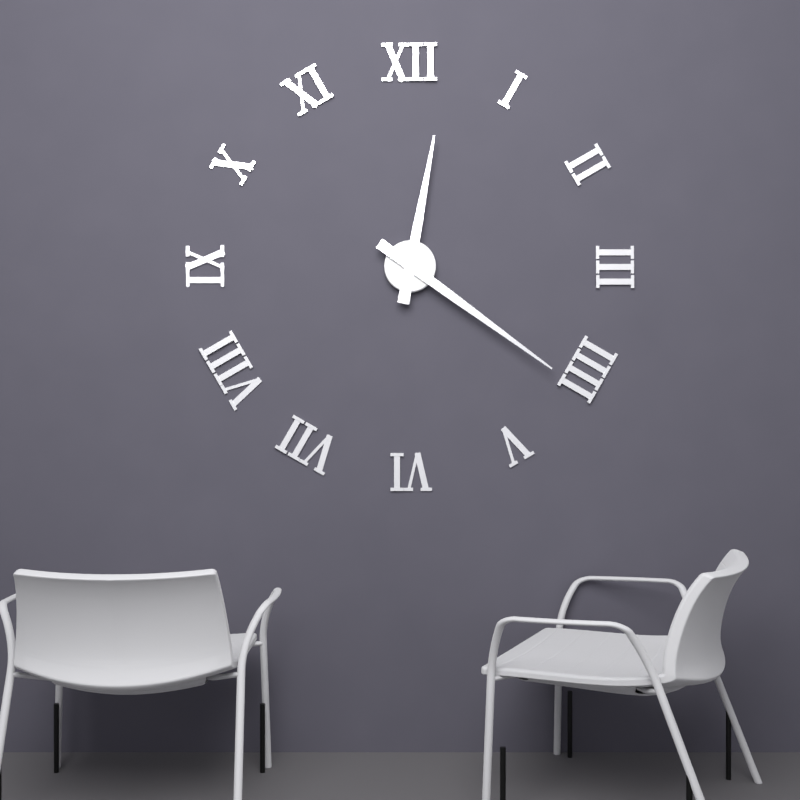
12,21
